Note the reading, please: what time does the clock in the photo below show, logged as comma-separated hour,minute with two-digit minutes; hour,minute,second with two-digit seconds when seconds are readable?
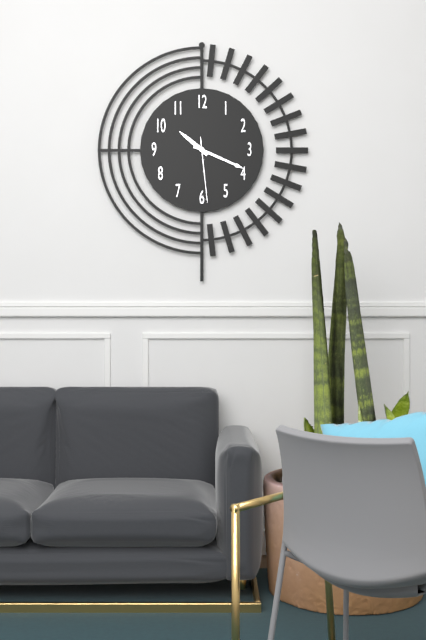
10,19,29
